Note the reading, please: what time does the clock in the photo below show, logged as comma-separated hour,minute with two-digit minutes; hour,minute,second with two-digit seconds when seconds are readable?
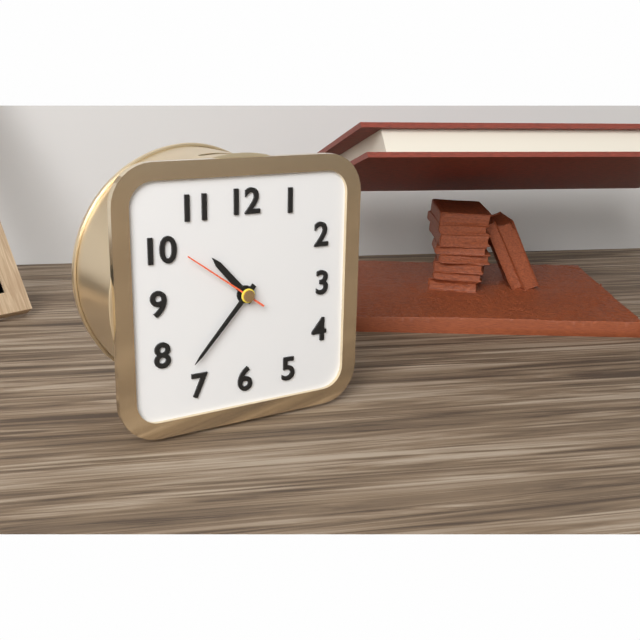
10,37,51
